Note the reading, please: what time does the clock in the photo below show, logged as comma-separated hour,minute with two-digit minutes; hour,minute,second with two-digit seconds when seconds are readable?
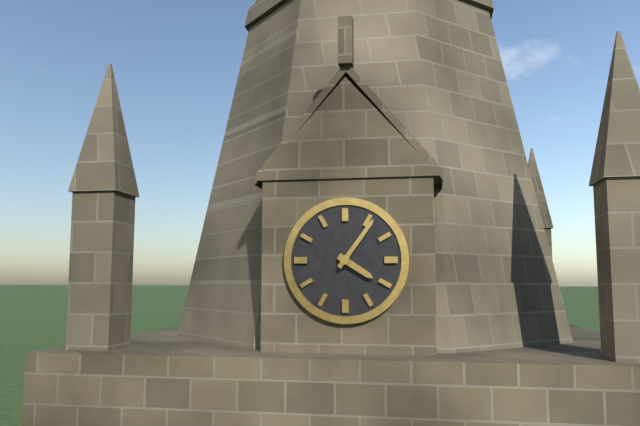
4,06
